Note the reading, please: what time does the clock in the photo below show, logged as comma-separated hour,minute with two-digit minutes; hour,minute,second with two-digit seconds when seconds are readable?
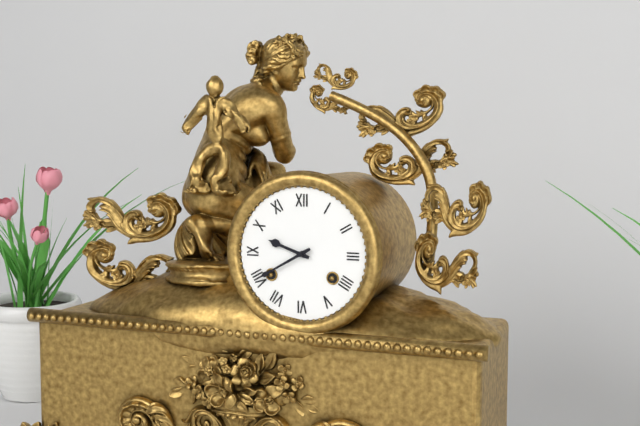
9,40
